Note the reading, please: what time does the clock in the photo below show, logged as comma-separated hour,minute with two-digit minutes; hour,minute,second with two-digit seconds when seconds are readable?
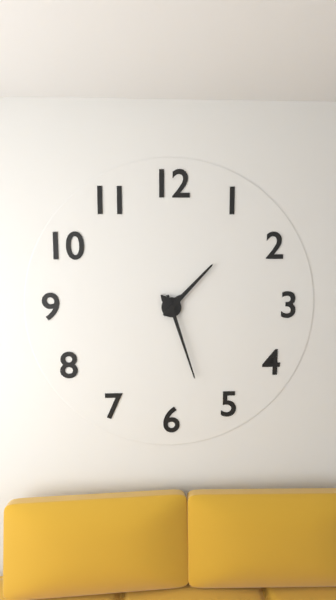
1,27
